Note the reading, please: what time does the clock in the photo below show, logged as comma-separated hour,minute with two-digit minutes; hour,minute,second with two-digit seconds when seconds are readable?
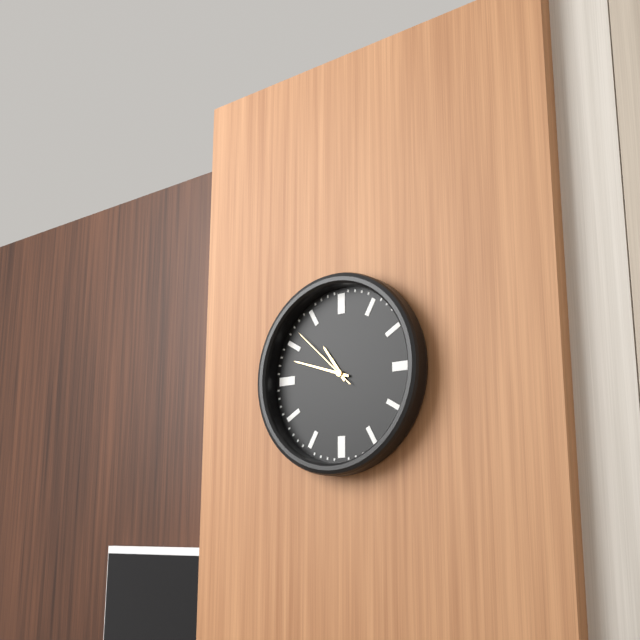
10,48,52
